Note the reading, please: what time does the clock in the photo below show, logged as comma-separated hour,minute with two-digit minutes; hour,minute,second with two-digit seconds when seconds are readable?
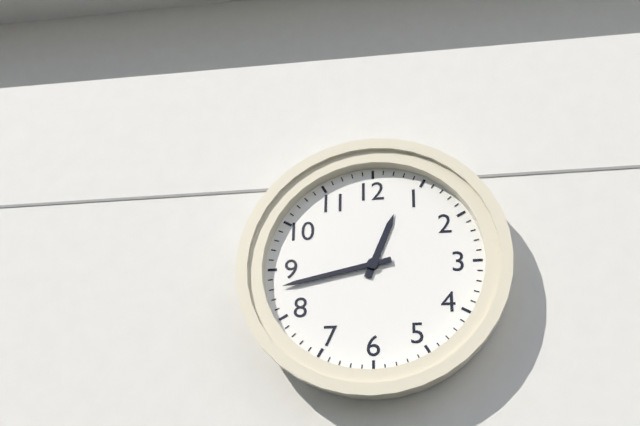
12,43
